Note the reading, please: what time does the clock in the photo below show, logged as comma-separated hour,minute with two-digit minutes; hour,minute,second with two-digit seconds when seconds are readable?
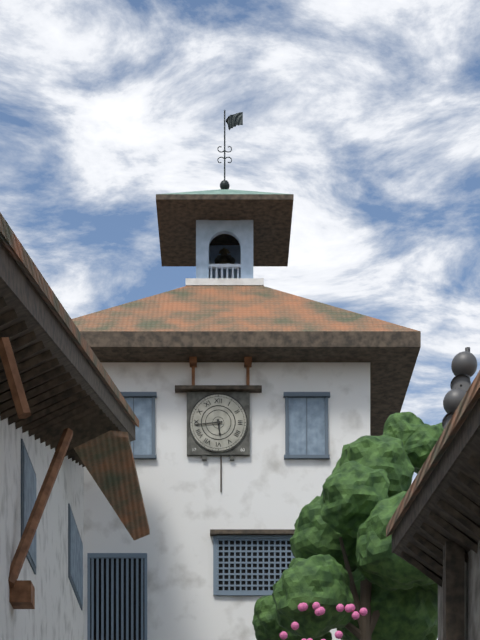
5,44
